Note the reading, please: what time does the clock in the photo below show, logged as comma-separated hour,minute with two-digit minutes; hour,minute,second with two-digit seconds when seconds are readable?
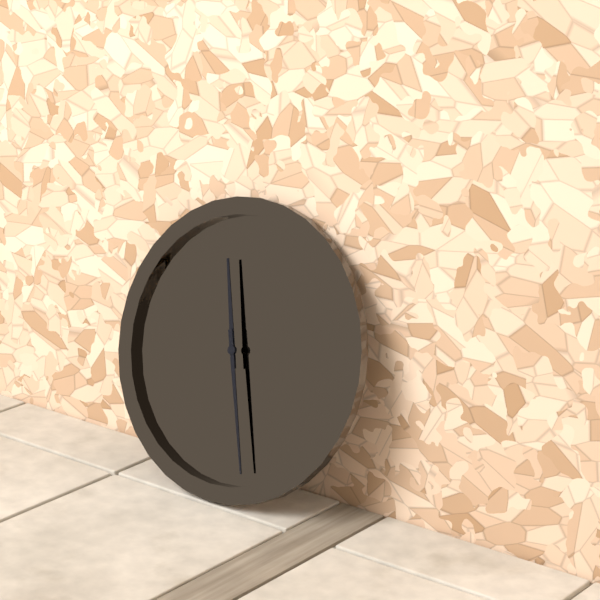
11,27
